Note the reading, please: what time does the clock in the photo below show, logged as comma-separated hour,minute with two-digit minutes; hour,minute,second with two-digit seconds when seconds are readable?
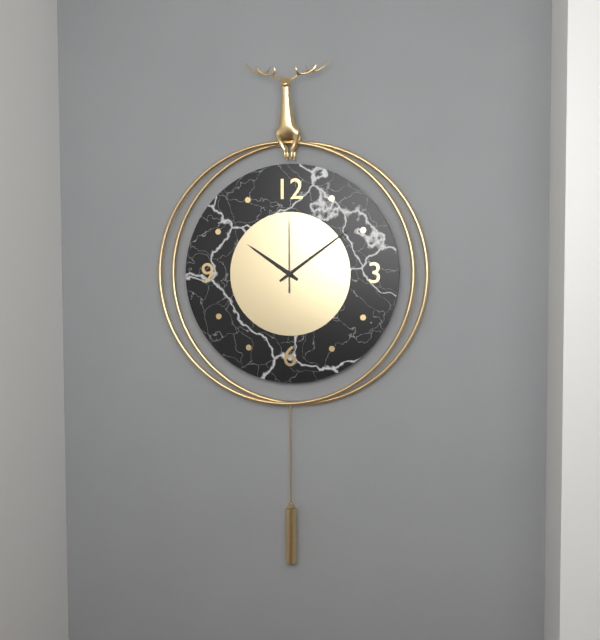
10,09,00
